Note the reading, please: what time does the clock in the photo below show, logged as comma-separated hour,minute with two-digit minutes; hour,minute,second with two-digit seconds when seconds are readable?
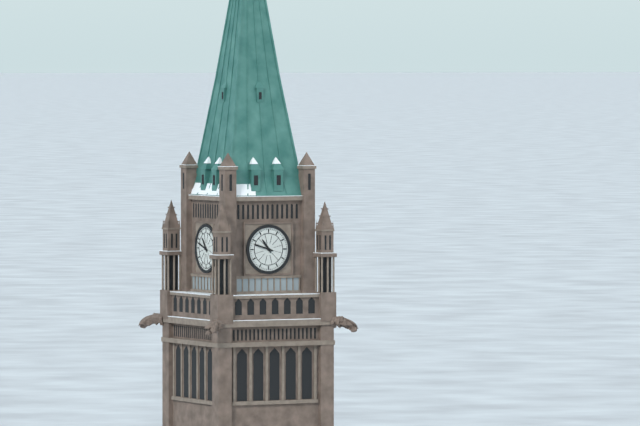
10,48
